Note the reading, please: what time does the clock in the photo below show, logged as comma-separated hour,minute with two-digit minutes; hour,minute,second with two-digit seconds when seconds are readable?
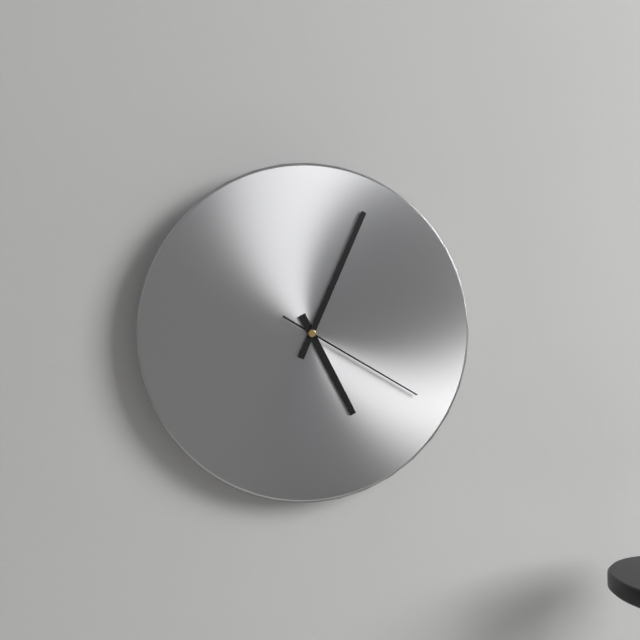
5,04,20
